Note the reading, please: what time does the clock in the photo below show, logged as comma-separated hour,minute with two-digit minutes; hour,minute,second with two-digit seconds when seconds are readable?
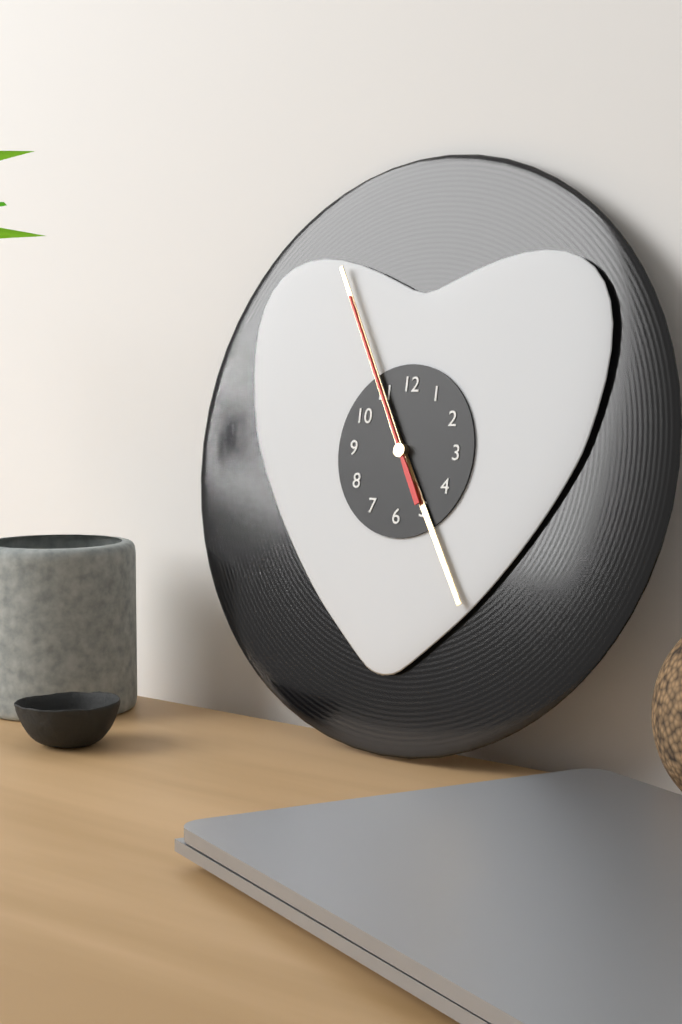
4,55,55
